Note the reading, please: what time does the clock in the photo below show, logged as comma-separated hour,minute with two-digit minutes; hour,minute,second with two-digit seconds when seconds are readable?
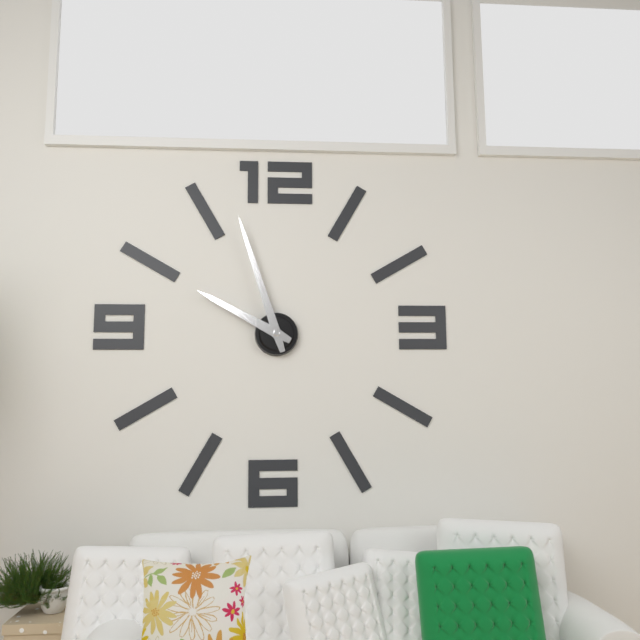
9,57
